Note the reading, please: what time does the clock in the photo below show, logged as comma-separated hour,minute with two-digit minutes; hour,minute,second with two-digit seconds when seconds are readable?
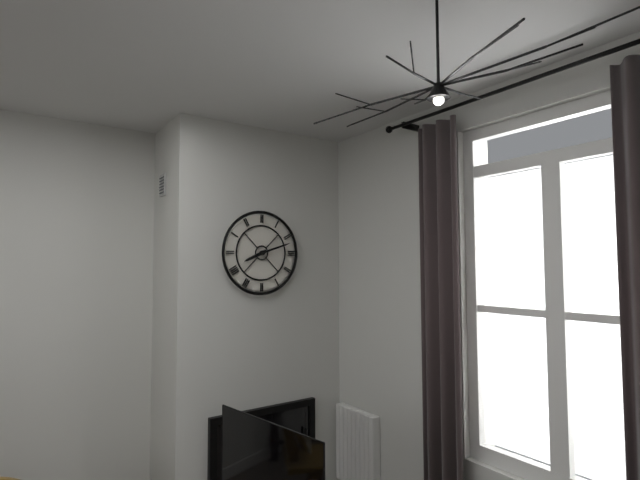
8,12
